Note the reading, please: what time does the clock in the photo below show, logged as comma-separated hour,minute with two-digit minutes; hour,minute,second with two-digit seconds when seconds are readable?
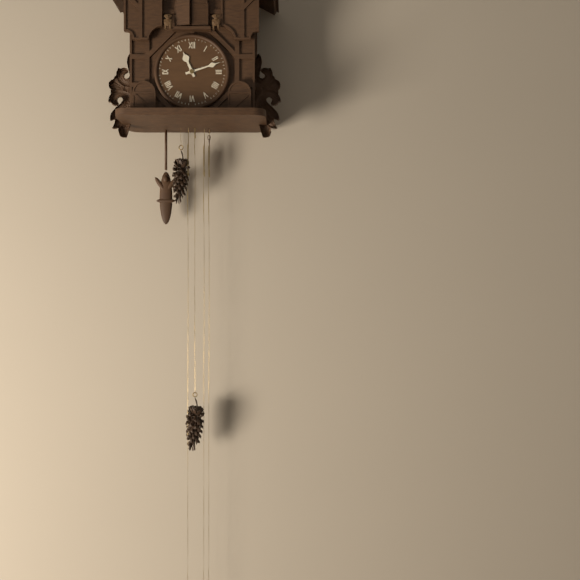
11,12
